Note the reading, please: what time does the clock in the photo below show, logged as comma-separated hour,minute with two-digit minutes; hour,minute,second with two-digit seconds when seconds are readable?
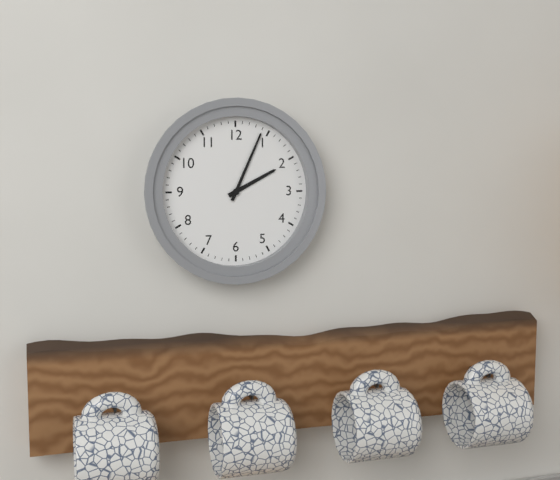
2,04
